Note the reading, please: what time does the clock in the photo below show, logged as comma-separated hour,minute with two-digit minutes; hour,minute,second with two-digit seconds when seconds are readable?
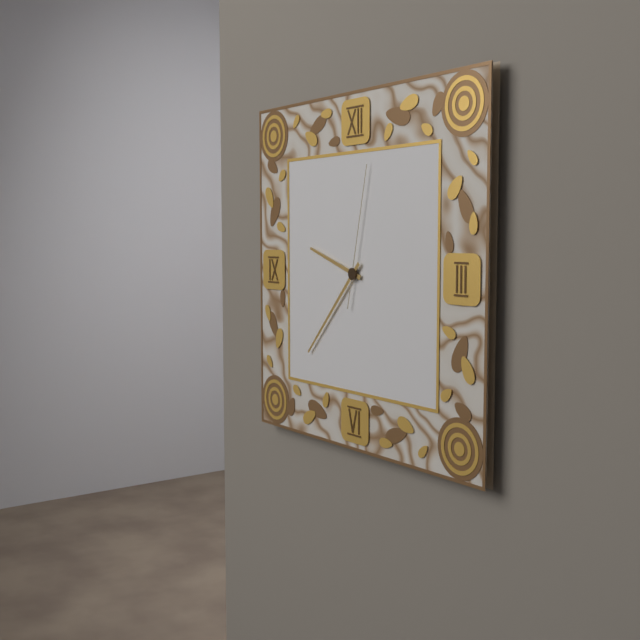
9,37,02
